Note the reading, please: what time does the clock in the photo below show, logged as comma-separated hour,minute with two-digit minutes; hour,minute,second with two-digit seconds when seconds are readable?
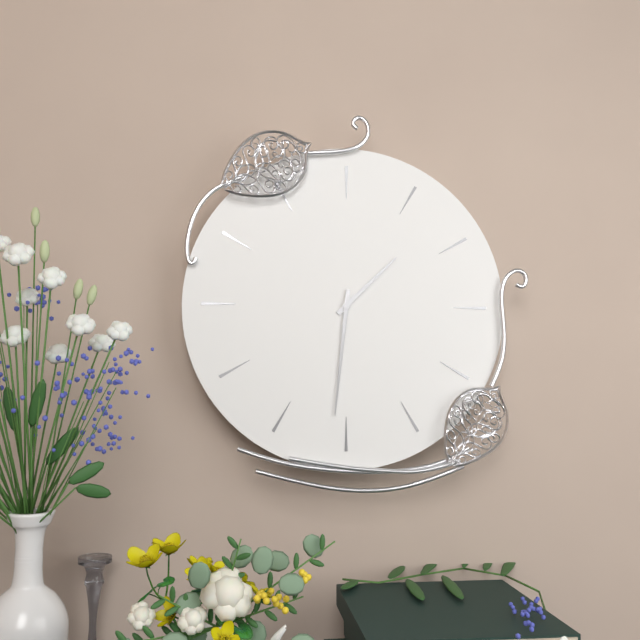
1,31
